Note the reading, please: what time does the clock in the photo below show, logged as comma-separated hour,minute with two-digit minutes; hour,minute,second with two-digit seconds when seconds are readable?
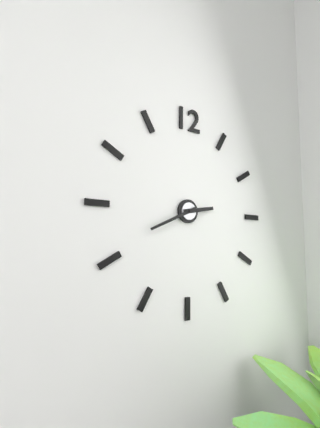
2,41
